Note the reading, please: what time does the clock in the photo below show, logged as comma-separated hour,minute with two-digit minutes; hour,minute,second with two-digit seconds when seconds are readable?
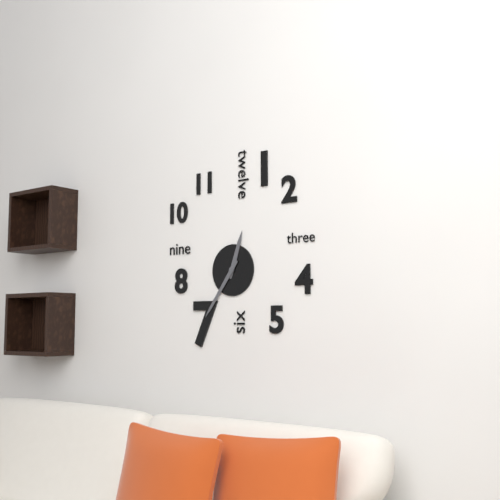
12,36
